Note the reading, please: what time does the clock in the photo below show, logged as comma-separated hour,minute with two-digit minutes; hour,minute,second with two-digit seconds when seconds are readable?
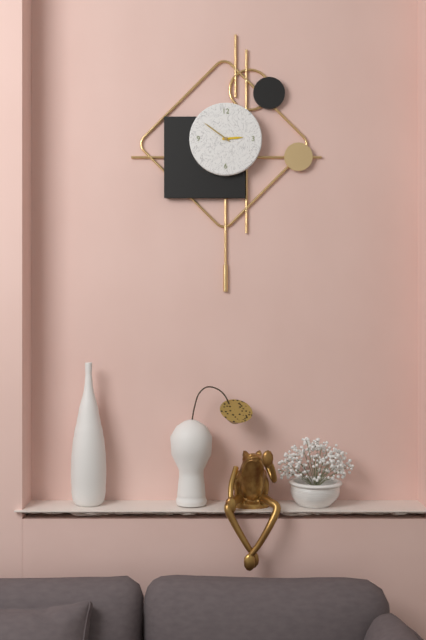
2,51
